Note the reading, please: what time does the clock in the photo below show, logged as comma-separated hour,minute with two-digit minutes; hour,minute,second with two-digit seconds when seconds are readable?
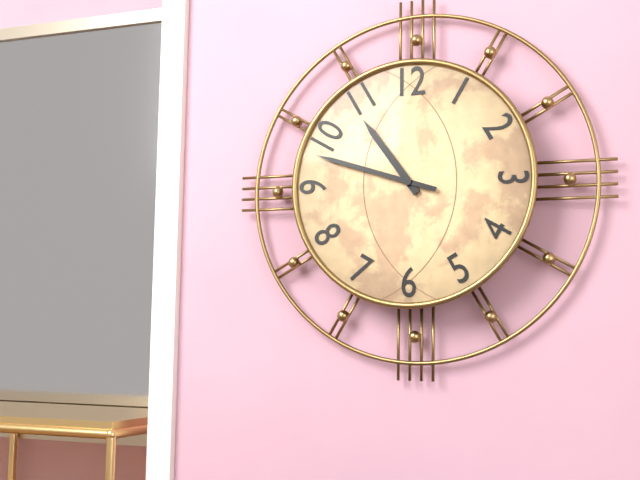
10,48
